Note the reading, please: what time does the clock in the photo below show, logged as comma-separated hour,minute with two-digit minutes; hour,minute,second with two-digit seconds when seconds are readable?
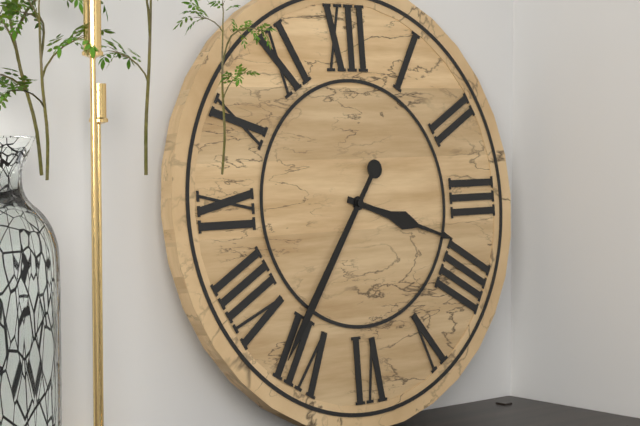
3,36
